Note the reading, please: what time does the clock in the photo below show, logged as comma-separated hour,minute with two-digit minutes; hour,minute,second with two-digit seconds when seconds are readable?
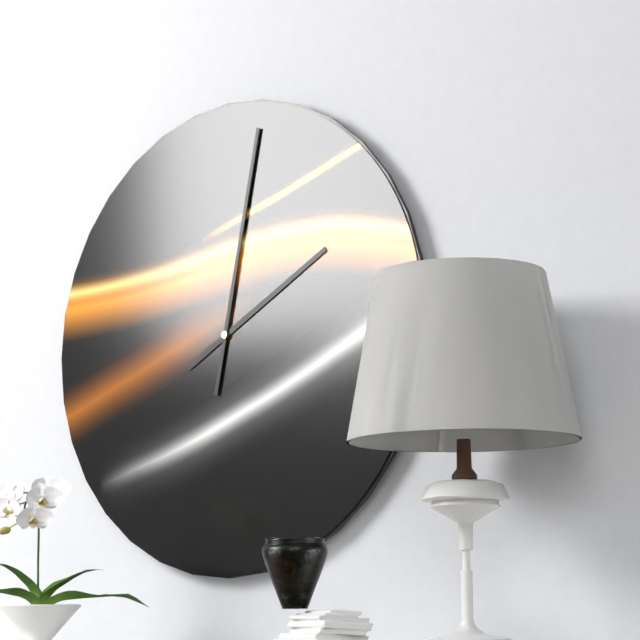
2,02
